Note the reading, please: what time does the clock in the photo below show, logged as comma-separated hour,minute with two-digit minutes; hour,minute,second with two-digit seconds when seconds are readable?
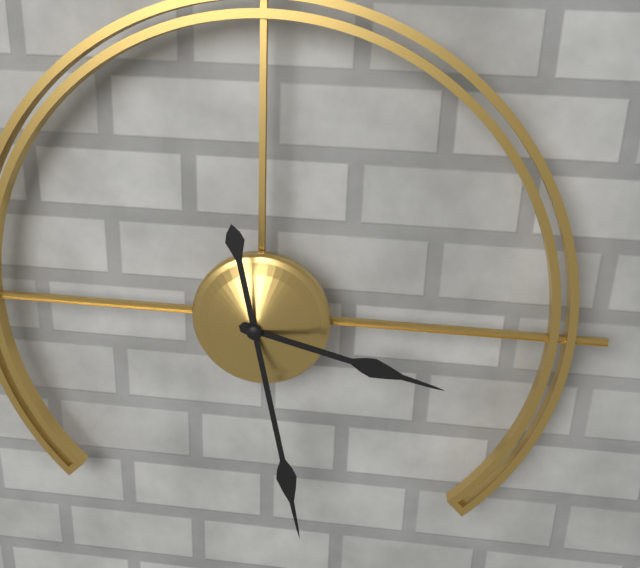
3,28
